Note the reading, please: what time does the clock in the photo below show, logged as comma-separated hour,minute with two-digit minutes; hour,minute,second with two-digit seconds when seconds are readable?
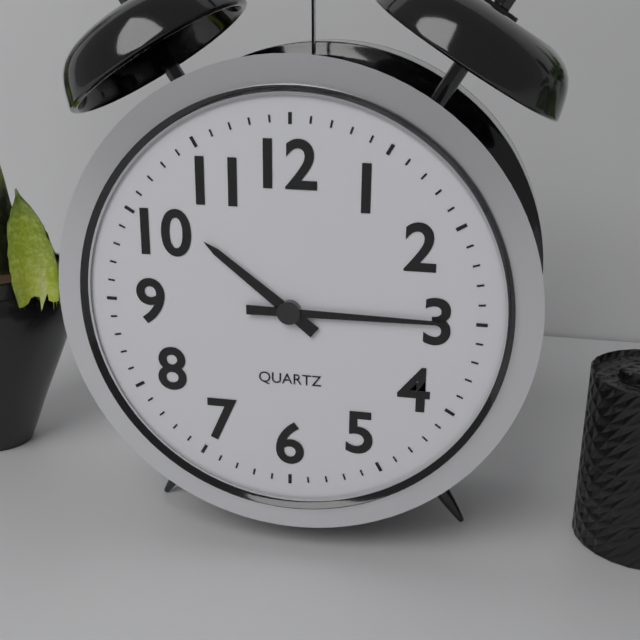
10,15
